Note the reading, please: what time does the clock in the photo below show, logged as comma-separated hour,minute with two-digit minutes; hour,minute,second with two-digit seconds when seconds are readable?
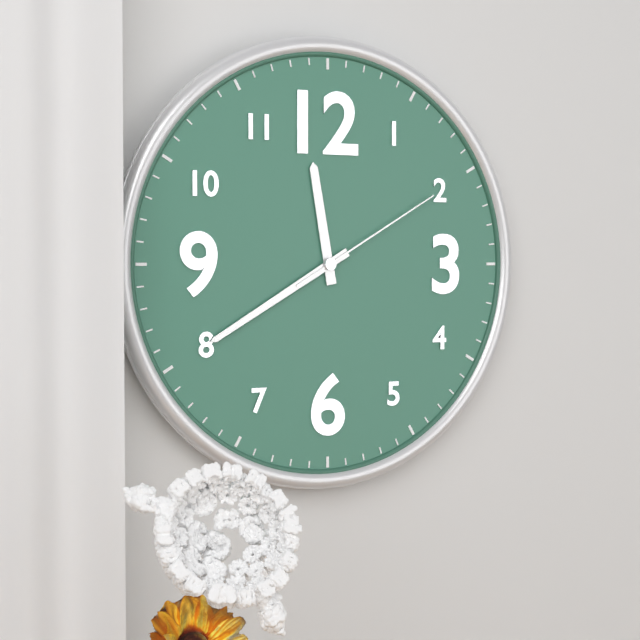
11,40,10
